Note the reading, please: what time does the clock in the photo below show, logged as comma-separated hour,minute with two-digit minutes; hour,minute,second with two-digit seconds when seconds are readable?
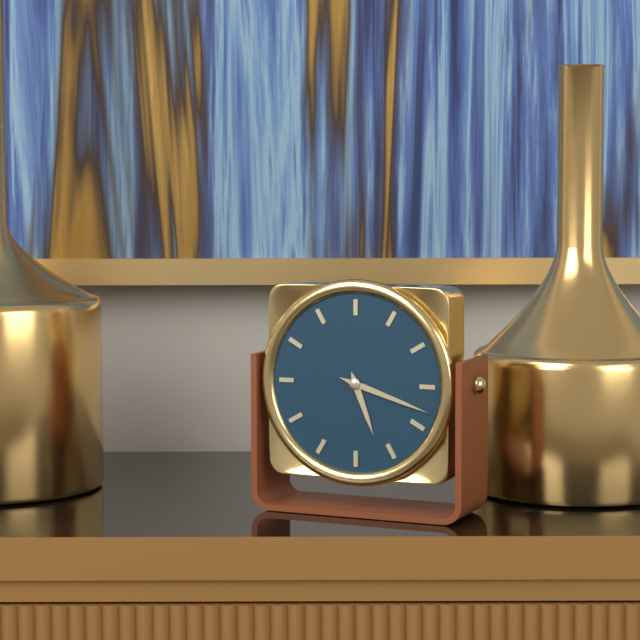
5,18
